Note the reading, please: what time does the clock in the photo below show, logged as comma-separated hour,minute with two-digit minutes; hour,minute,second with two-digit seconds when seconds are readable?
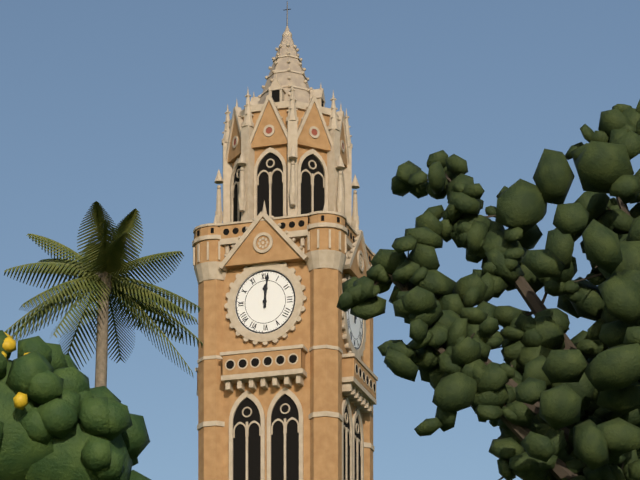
12,01
